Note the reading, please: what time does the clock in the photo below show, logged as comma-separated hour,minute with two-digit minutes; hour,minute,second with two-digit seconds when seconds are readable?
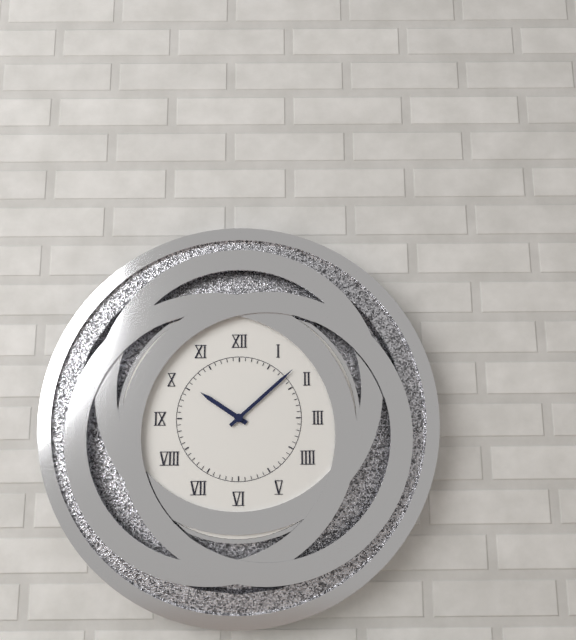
10,08
